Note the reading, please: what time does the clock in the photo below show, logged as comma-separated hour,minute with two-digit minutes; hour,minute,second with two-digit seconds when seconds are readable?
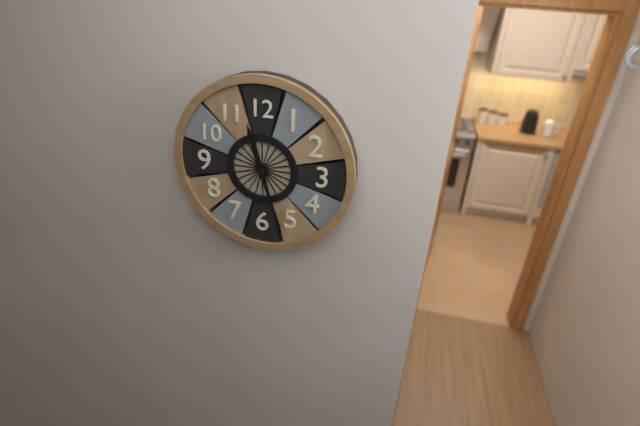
11,27
